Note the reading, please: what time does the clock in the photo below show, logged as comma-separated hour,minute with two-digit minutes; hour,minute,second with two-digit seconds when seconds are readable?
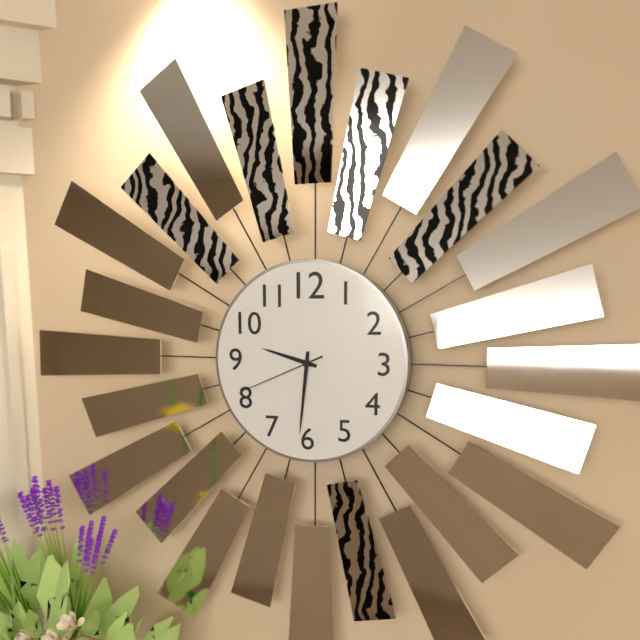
9,31,41
